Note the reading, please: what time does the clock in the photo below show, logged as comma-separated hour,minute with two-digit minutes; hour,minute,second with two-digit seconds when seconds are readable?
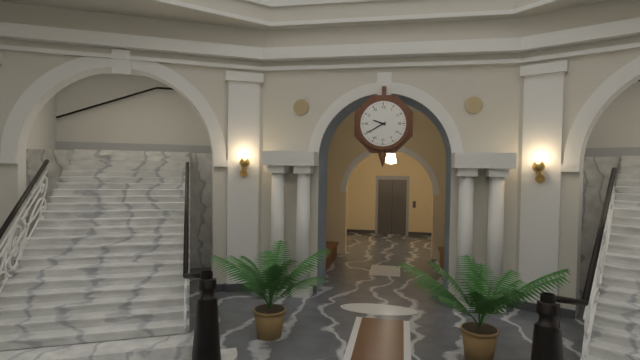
9,40
